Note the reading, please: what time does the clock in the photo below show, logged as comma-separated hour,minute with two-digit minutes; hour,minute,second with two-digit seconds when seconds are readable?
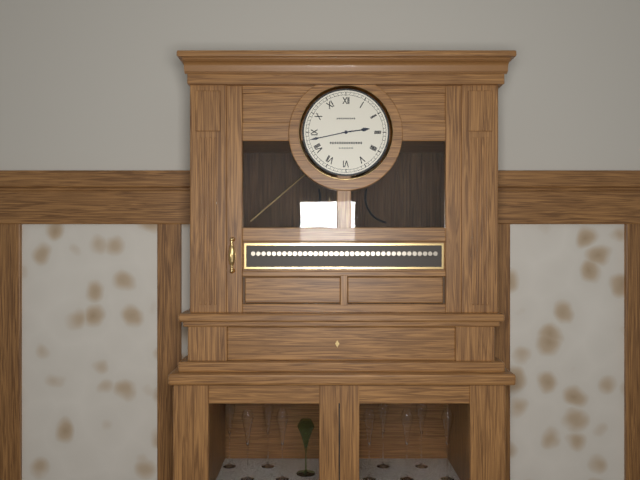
2,43
